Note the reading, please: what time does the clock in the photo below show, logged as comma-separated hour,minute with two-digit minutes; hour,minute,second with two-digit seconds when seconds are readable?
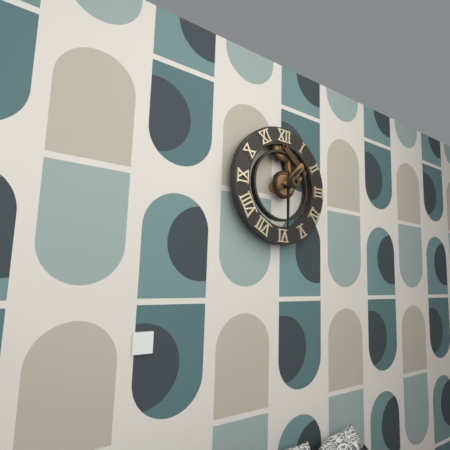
1,30
